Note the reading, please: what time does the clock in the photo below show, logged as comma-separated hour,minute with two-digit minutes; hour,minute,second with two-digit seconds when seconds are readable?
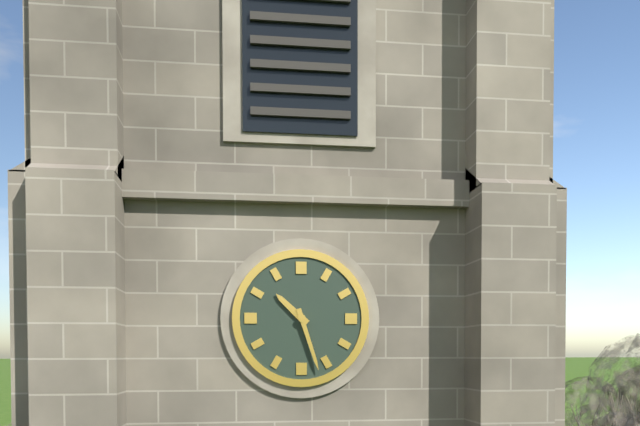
10,27
